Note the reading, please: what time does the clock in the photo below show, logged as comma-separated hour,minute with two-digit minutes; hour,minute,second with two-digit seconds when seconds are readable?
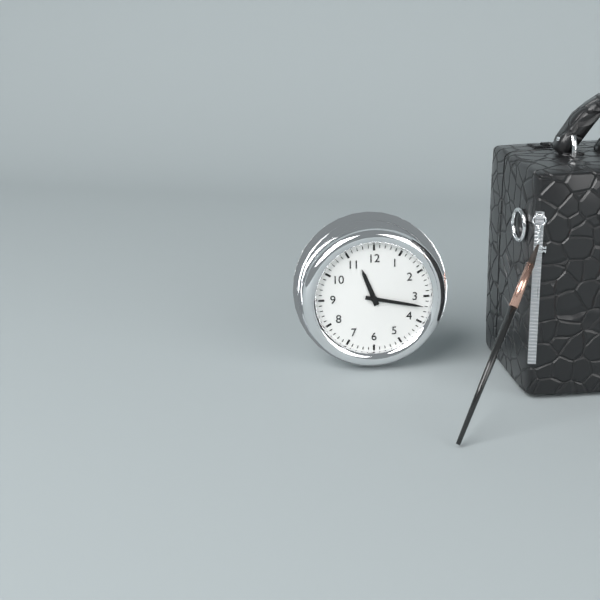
11,17
